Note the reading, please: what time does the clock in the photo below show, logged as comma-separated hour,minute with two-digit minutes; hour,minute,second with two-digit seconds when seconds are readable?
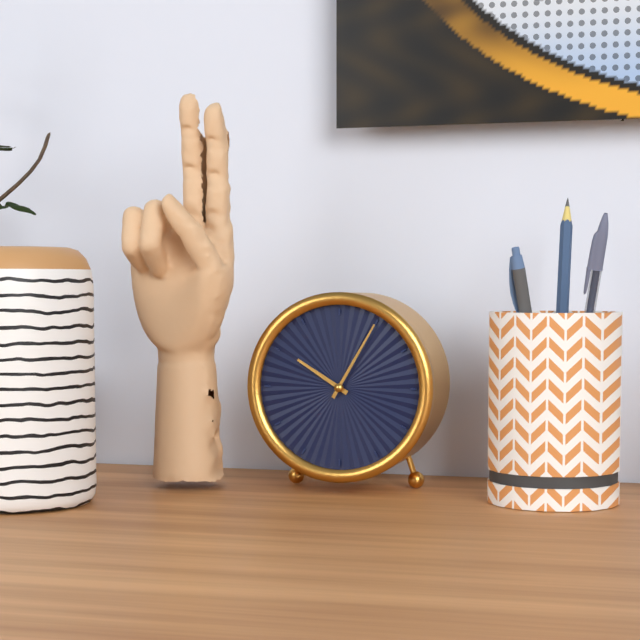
10,05
